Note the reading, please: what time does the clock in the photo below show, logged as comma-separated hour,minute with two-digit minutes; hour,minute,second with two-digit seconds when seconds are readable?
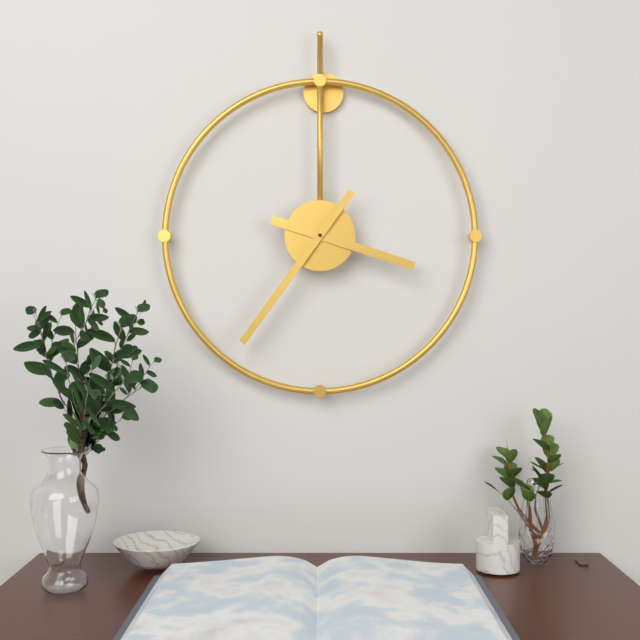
3,36
